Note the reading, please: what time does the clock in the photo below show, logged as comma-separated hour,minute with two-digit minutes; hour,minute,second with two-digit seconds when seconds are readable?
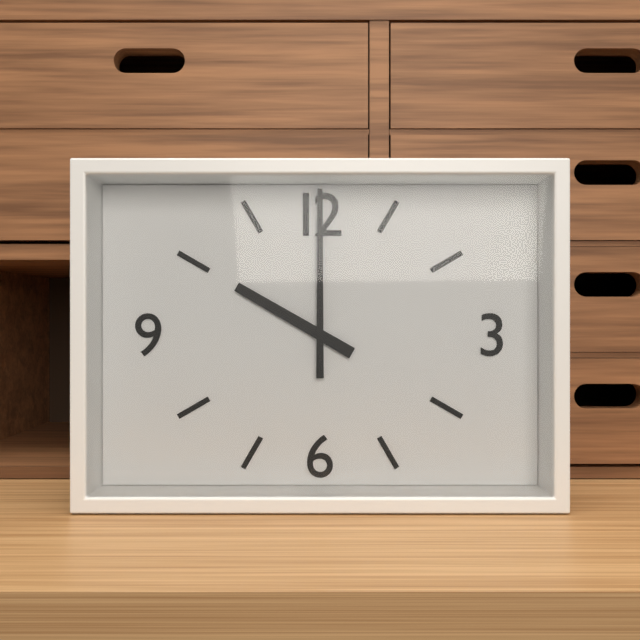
10,00
